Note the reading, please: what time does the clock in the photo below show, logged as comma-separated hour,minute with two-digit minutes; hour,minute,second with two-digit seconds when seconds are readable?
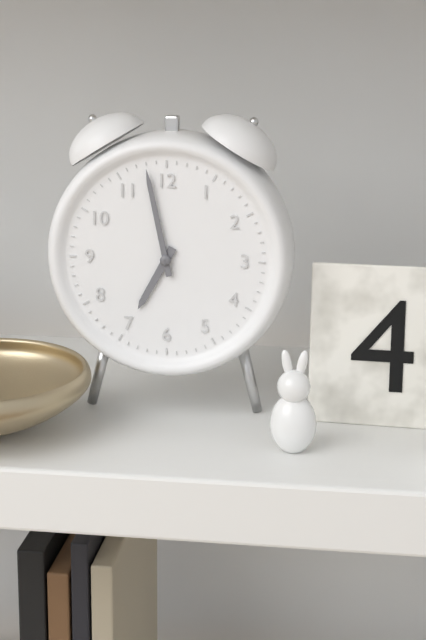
6,58
